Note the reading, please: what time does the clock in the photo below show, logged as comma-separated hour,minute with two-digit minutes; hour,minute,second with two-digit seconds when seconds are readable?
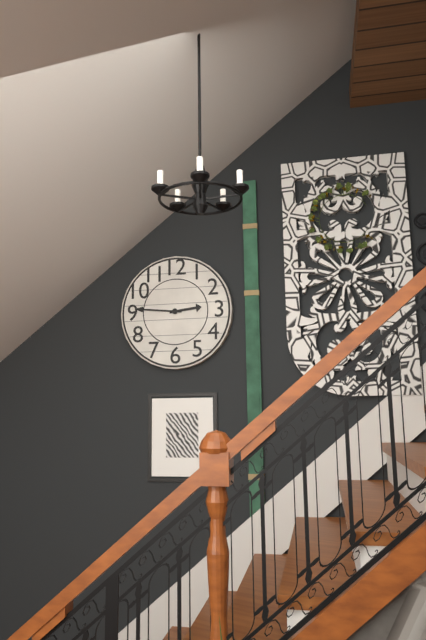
2,46
